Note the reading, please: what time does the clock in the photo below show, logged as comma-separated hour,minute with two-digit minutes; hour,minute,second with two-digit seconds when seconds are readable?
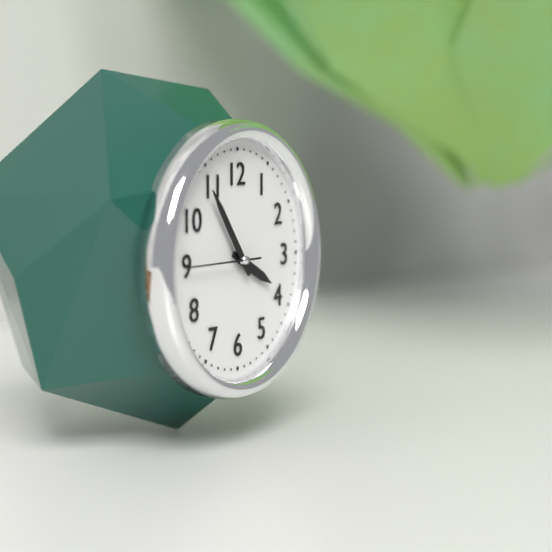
3,54,45
